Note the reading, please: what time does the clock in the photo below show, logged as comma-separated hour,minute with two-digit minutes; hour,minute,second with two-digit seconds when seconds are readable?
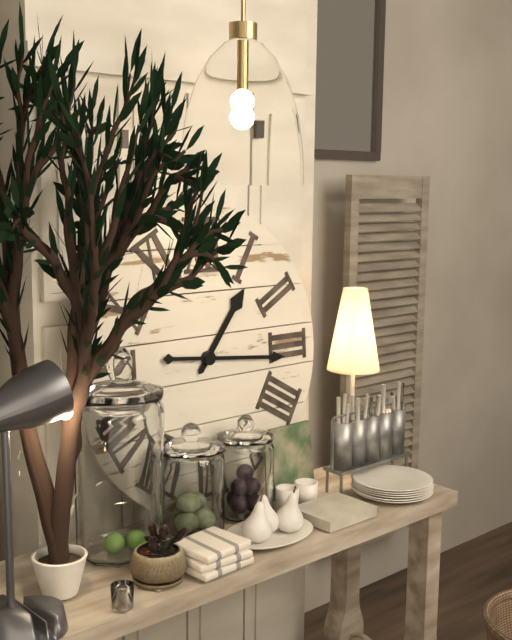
1,16
